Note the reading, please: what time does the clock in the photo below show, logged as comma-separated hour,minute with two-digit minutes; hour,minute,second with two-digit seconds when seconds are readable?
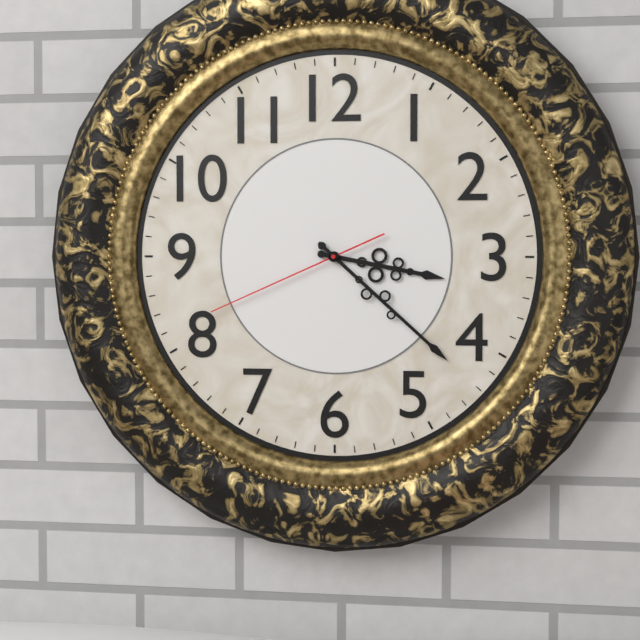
3,22,41
